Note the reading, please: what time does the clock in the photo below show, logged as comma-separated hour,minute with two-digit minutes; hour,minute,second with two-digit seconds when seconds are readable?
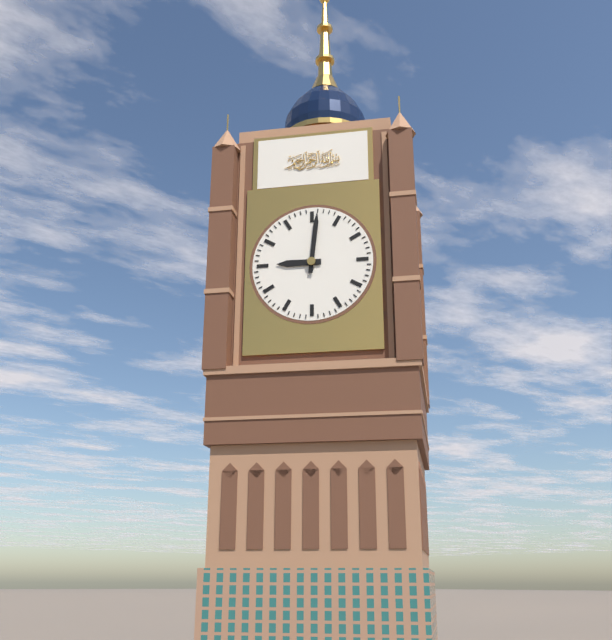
9,01
